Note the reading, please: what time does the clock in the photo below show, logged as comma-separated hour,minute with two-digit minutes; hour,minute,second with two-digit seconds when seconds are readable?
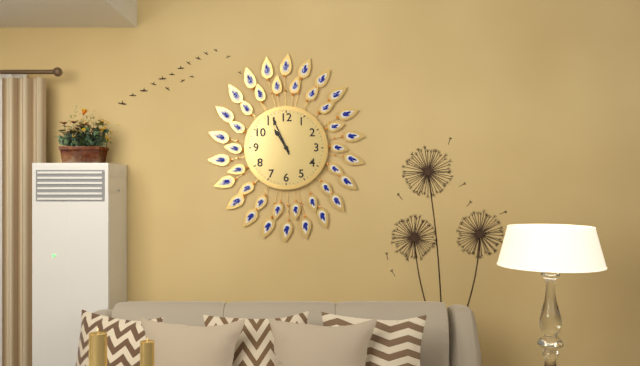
10,56
